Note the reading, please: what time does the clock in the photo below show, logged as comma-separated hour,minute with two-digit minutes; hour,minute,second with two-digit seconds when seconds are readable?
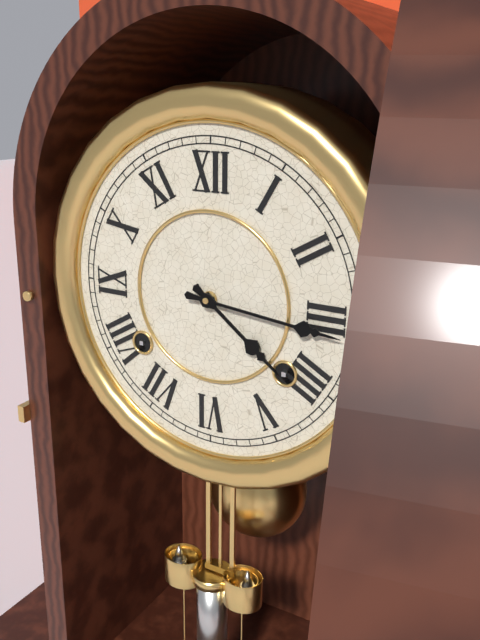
4,16
